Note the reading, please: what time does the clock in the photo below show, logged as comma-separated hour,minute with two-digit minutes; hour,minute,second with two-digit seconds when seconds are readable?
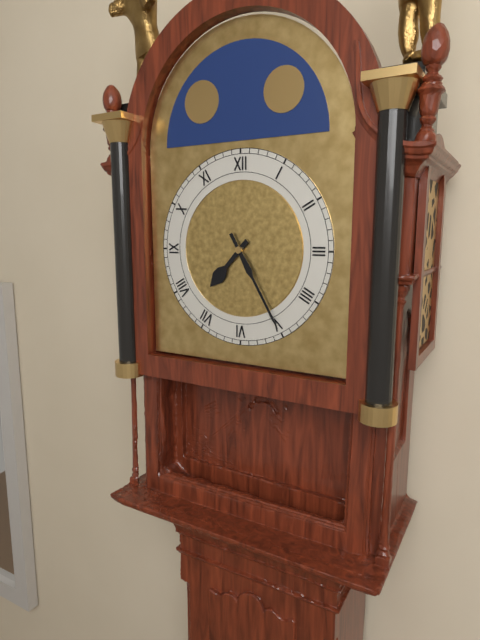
7,25
